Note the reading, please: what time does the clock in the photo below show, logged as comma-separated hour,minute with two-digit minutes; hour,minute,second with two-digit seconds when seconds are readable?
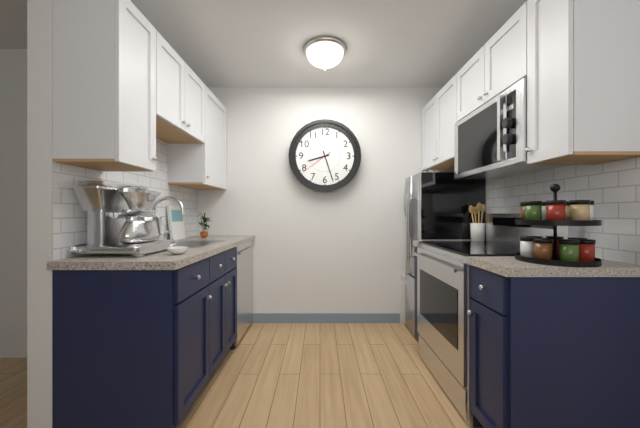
8,27
